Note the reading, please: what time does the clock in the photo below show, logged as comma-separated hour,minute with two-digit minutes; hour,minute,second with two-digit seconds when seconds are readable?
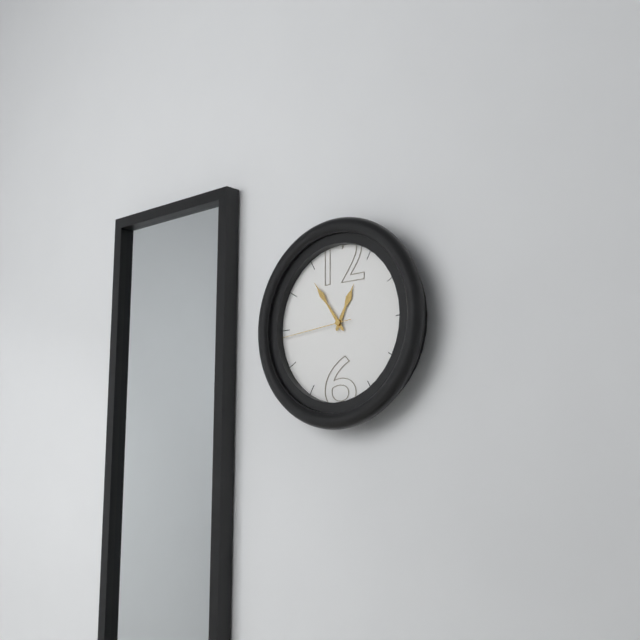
12,54,44
